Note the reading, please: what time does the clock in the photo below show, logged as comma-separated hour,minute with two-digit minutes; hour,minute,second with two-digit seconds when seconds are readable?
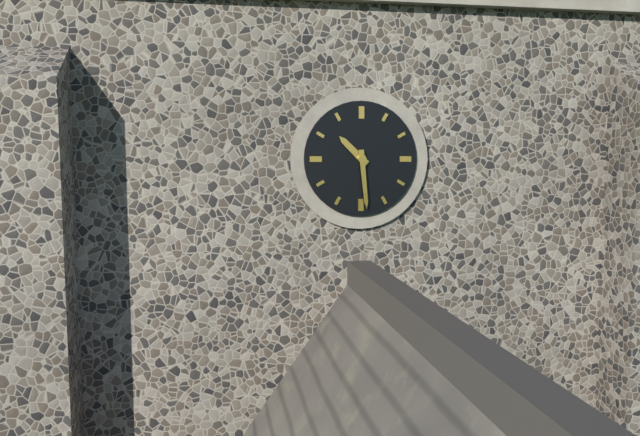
10,29
